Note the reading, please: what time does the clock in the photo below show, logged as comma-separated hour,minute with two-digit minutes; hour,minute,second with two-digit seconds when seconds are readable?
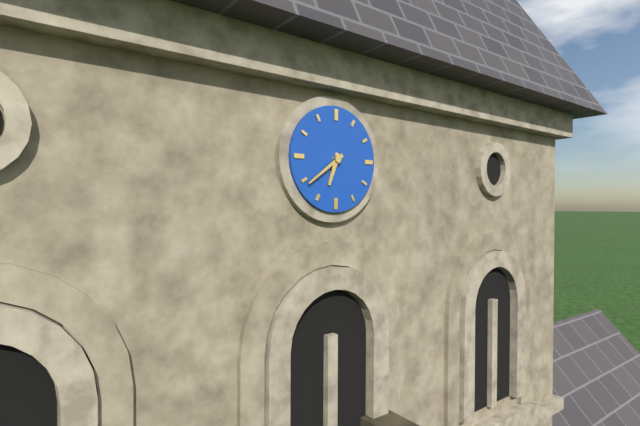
6,39
